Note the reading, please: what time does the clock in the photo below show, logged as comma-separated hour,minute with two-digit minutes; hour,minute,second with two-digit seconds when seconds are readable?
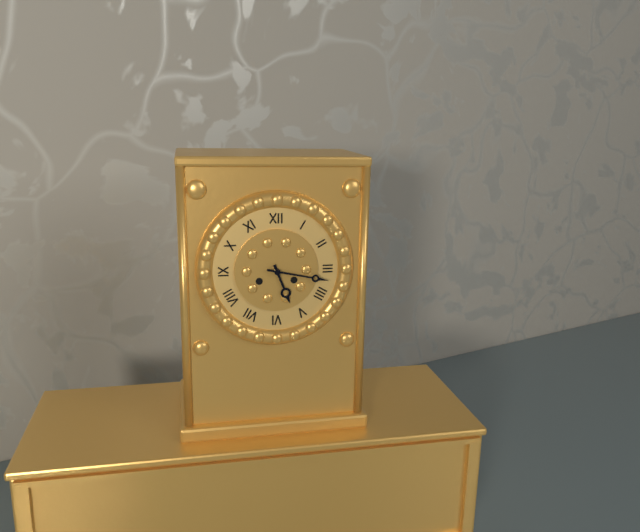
5,17
